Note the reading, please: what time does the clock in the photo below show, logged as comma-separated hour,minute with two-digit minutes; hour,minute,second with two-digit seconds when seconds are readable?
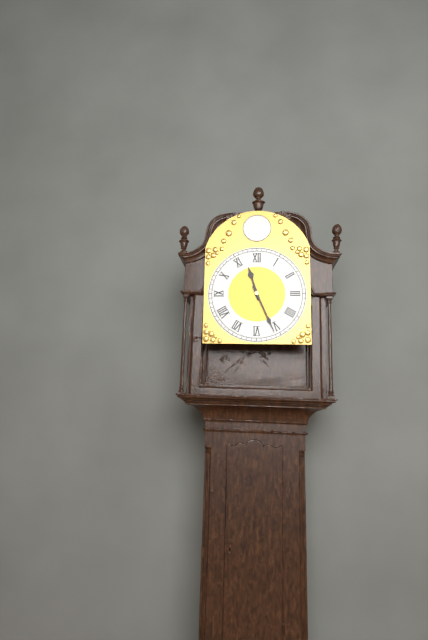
11,26
